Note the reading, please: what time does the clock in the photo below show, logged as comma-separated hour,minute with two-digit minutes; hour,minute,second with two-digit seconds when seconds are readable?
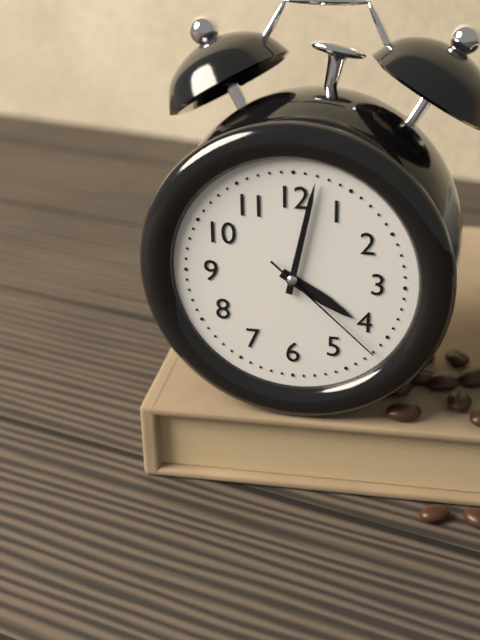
4,02,22
